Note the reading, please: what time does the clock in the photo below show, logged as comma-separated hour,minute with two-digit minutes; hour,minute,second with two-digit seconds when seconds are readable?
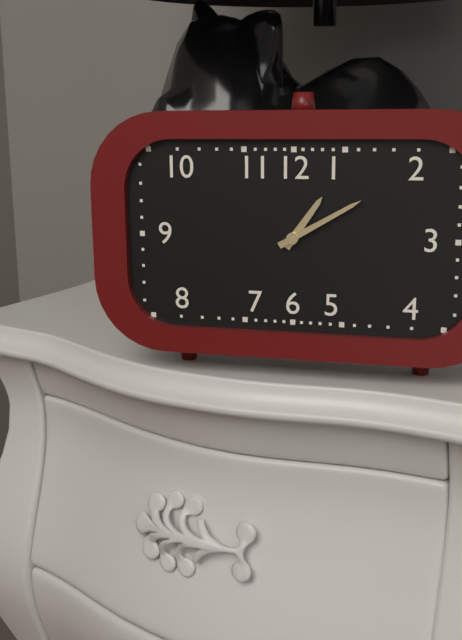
1,10
